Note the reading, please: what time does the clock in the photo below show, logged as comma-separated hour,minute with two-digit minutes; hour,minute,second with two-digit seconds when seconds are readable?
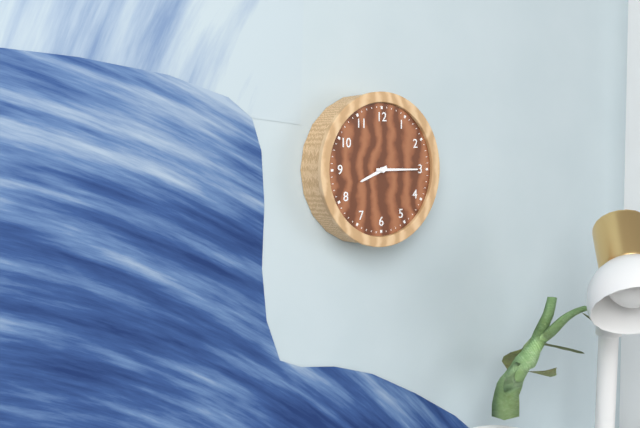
8,15
